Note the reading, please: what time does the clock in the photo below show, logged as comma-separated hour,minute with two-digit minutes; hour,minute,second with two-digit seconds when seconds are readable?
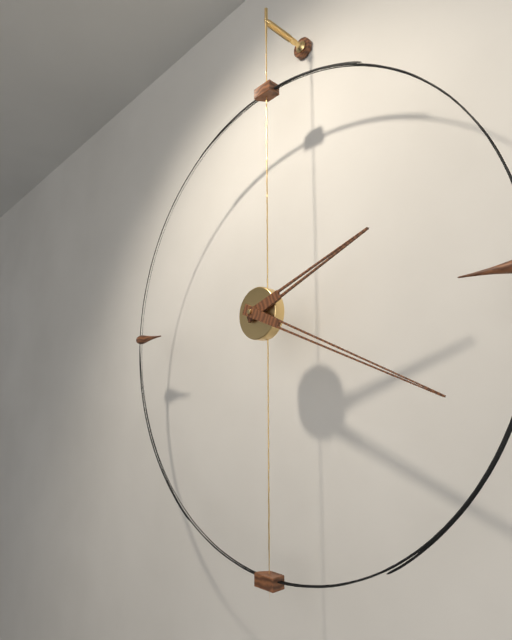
2,19
